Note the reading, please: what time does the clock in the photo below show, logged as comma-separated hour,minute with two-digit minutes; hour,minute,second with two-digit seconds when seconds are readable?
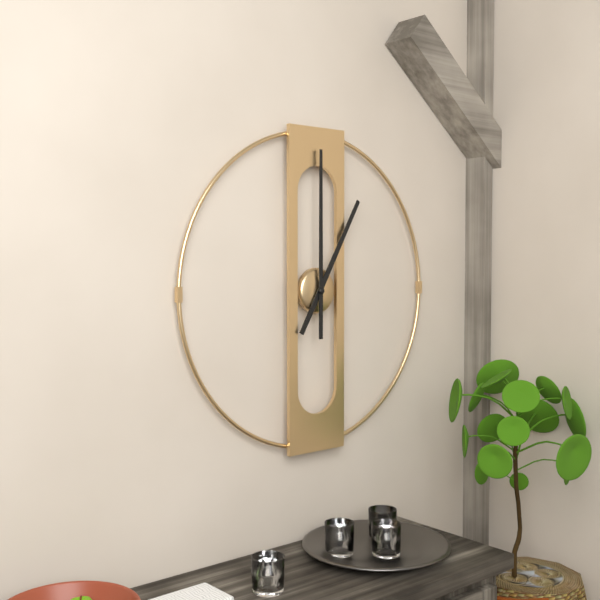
1,00
